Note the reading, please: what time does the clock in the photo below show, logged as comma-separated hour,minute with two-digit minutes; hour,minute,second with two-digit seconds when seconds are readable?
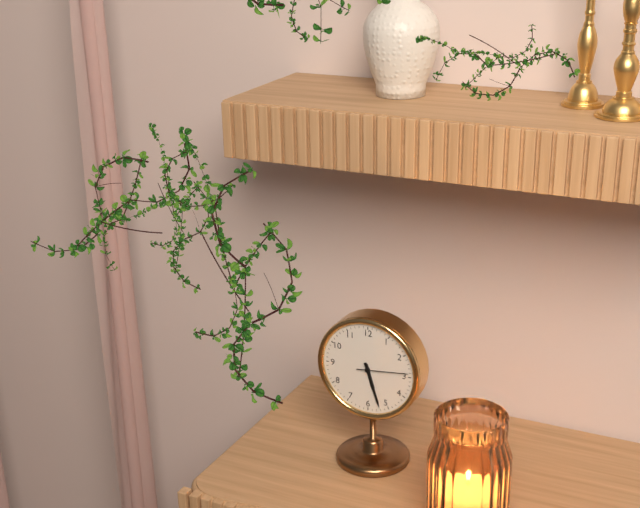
5,27,14
